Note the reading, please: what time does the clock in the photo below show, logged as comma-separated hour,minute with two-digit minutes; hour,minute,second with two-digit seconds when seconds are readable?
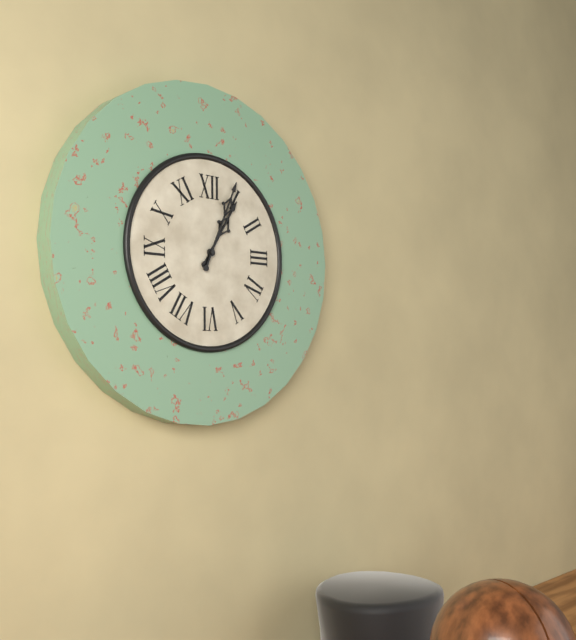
1,04
